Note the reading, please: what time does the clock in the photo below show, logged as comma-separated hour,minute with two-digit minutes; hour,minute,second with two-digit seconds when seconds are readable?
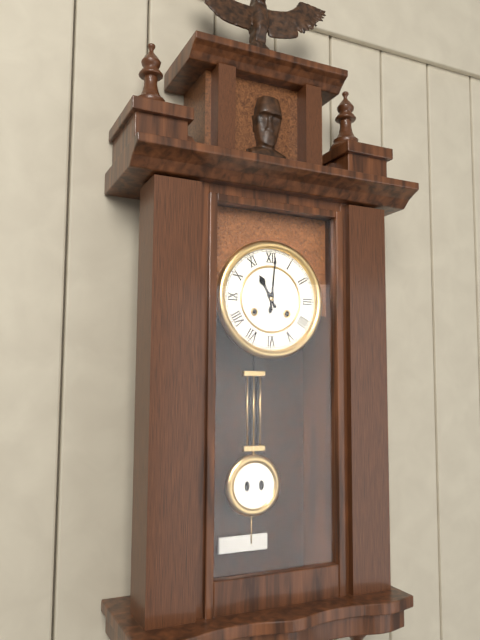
11,01
